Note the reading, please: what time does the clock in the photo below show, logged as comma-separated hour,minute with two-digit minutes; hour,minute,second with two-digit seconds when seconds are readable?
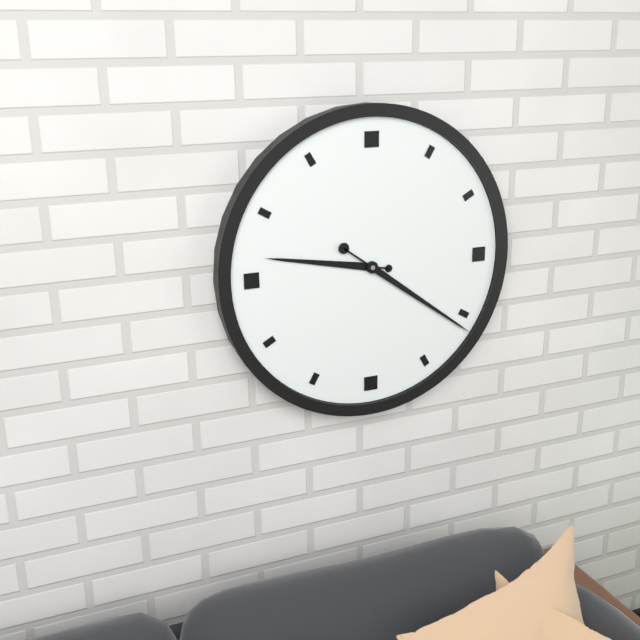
9,21
